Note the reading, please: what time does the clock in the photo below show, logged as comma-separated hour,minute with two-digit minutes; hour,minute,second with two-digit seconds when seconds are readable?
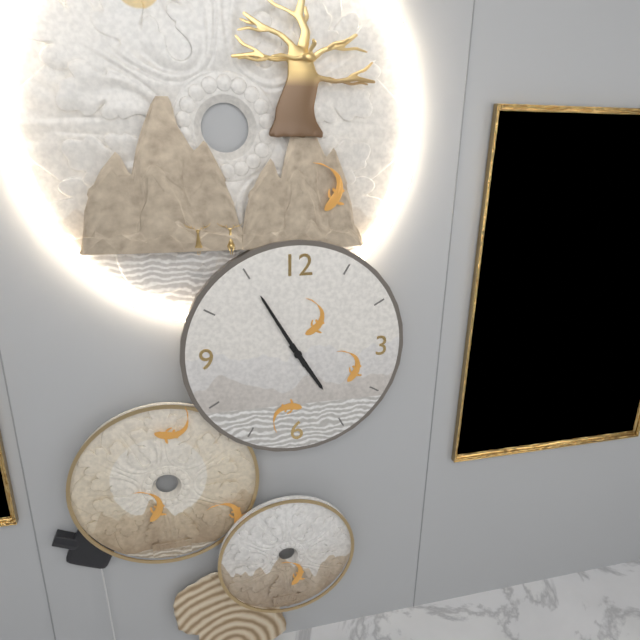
4,55
